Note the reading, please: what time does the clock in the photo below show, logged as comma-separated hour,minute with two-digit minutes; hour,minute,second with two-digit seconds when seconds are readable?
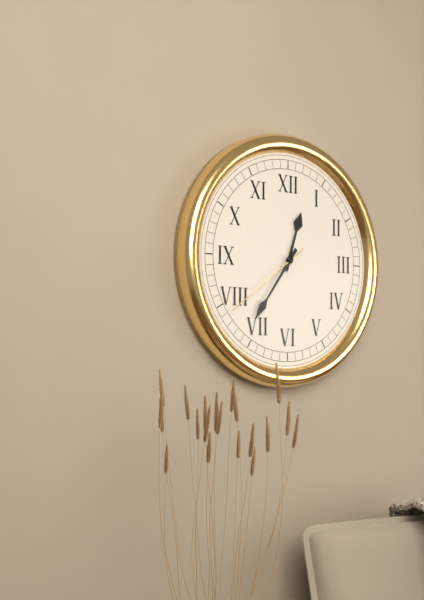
12,36,39
